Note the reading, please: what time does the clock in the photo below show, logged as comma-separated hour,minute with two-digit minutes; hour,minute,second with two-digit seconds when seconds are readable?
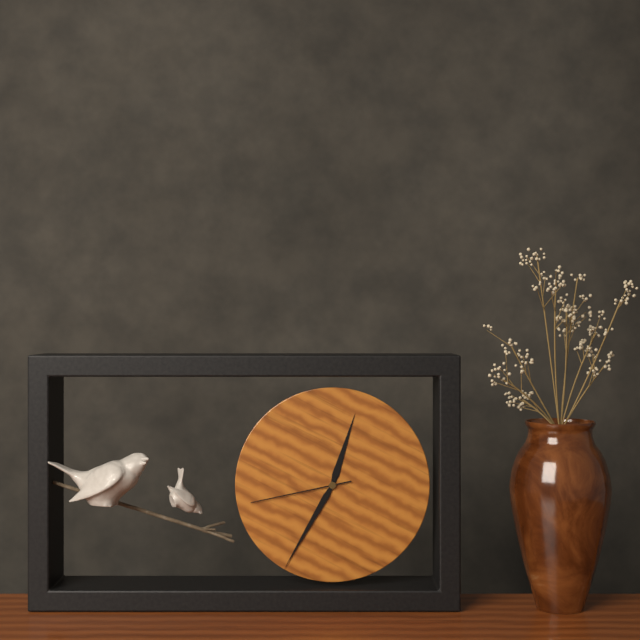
12,35,43
